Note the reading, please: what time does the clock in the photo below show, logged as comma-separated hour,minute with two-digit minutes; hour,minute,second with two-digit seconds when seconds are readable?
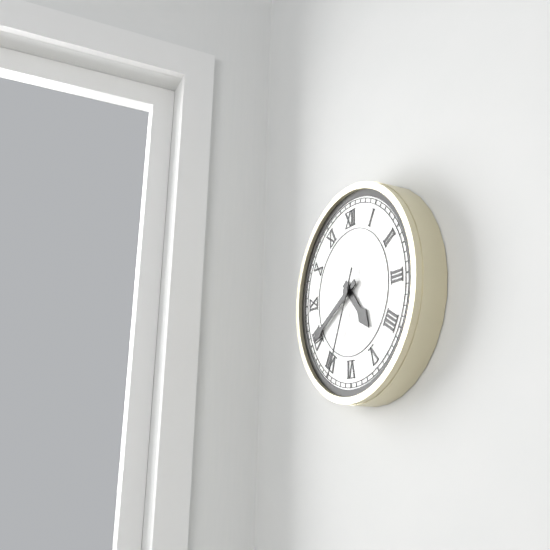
4,40,34
